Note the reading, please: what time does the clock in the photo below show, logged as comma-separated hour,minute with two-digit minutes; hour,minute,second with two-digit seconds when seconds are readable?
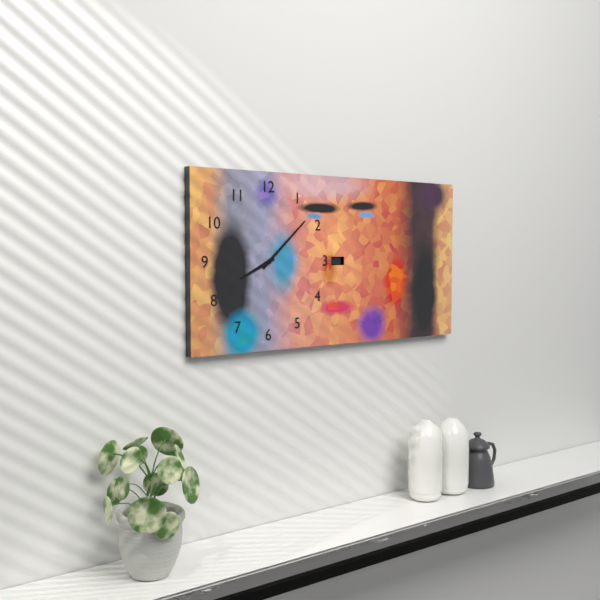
8,08
